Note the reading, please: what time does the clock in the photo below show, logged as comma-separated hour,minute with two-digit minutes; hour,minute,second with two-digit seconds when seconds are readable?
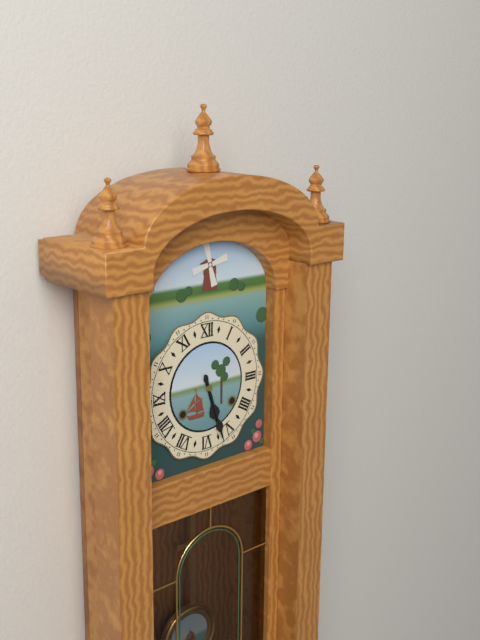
5,27
